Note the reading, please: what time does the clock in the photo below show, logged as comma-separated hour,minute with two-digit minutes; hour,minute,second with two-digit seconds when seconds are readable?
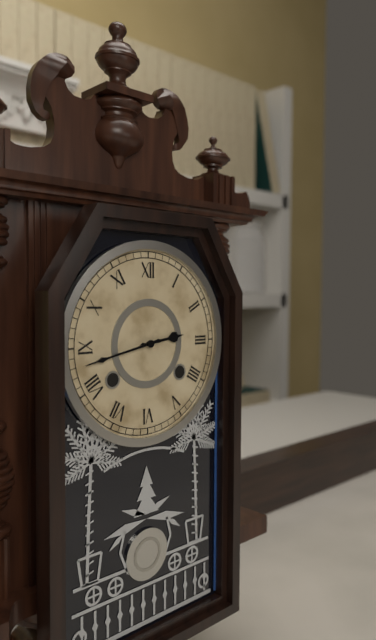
2,43
